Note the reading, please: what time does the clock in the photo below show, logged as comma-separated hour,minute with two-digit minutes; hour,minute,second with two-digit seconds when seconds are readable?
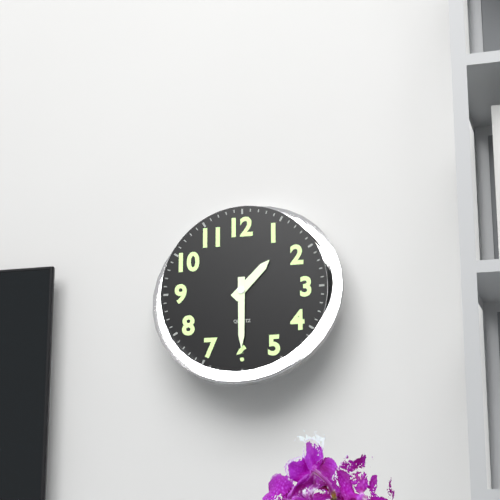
1,30
